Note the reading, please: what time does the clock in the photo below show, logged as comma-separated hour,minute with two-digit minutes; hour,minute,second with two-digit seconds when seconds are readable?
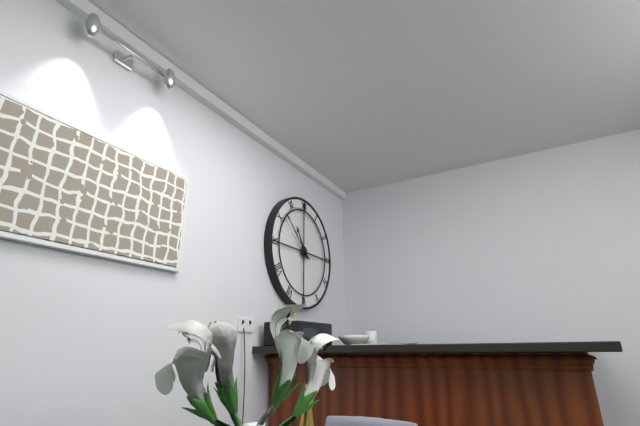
10,52
